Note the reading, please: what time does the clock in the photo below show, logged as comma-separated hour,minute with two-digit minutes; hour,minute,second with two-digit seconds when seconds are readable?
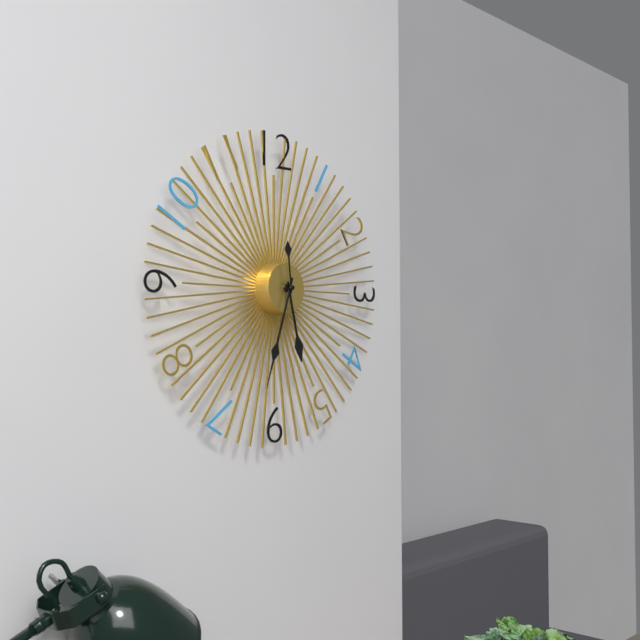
5,33,59
